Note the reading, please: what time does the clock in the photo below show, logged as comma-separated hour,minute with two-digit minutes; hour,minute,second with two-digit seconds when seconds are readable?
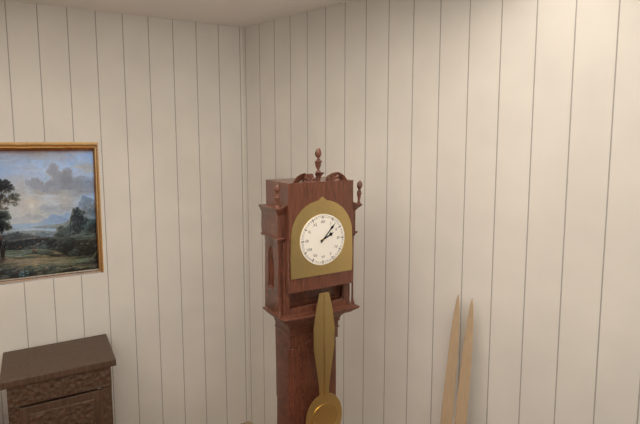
2,07
